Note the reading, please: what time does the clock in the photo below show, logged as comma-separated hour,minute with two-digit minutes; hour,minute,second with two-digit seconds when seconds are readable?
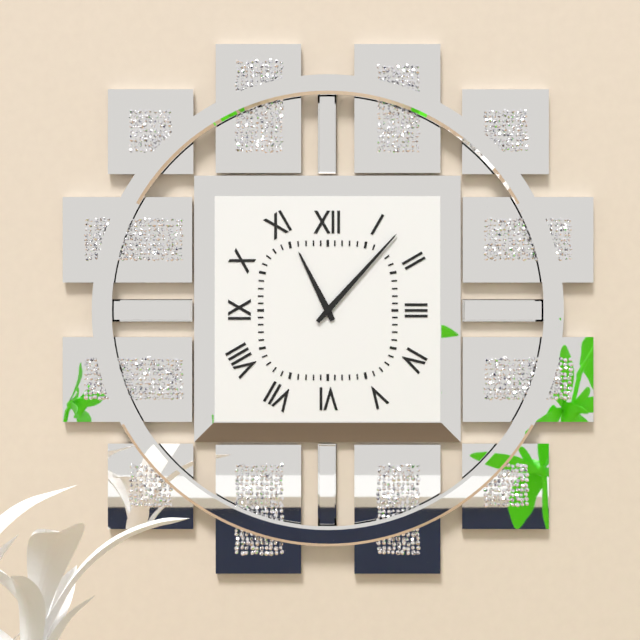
11,07
